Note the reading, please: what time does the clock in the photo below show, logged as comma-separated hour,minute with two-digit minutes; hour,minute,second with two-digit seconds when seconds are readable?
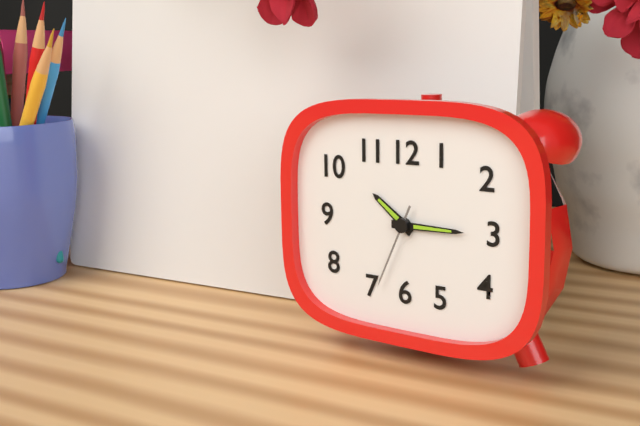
10,15,34
